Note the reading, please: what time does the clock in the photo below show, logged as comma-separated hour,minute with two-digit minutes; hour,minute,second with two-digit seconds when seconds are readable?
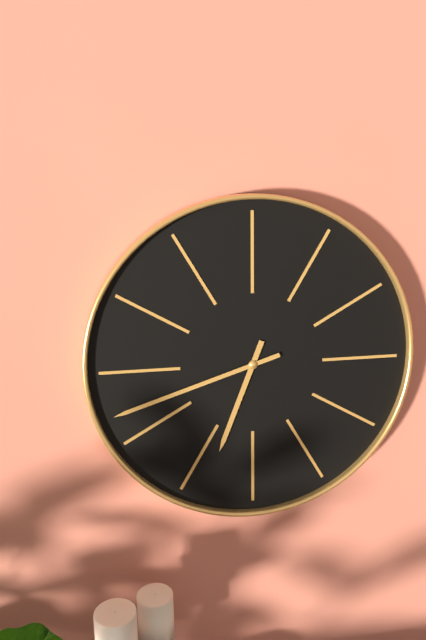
6,42
